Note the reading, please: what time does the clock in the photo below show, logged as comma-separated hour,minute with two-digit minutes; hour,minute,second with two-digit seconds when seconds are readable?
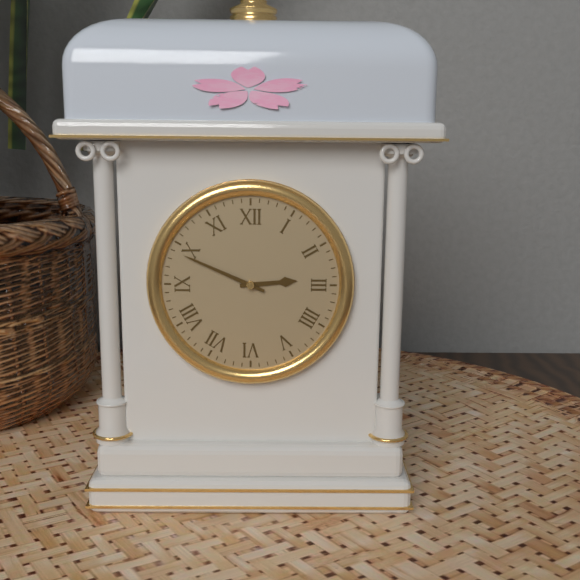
2,49
